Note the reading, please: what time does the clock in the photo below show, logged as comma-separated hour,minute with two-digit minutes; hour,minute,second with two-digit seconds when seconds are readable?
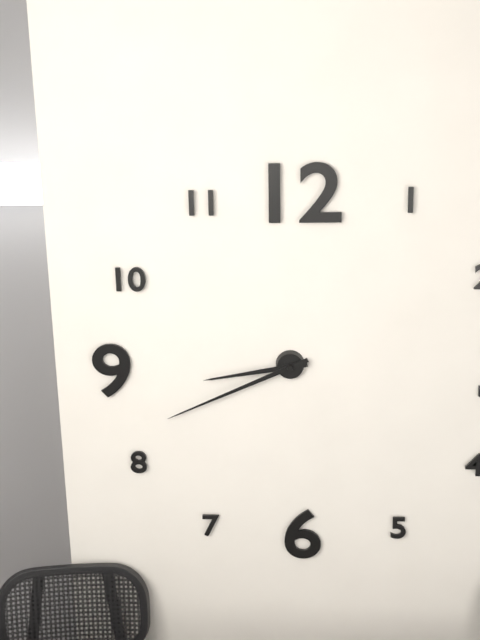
8,41
